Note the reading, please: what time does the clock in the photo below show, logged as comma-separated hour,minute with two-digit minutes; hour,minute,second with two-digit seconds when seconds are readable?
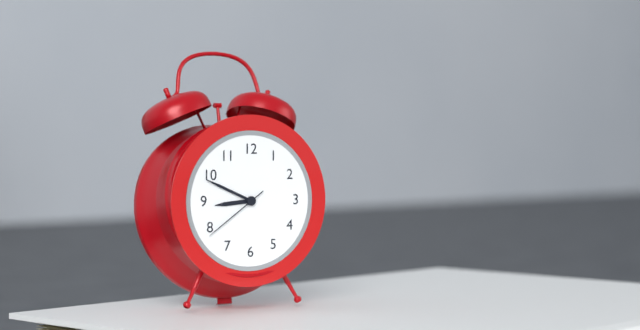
8,49,39
